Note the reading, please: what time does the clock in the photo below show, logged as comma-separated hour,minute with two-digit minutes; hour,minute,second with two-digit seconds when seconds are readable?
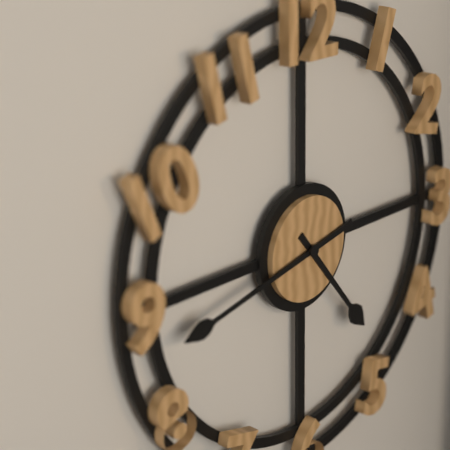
4,43
